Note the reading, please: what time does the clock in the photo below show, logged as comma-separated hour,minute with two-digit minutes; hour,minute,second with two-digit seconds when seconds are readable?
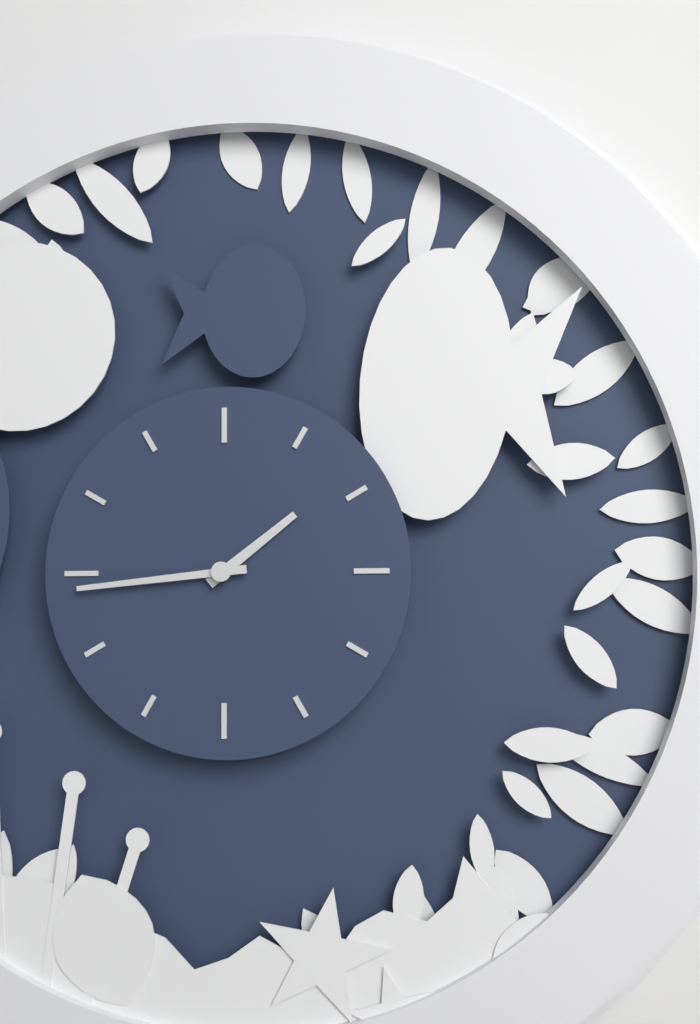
1,44
